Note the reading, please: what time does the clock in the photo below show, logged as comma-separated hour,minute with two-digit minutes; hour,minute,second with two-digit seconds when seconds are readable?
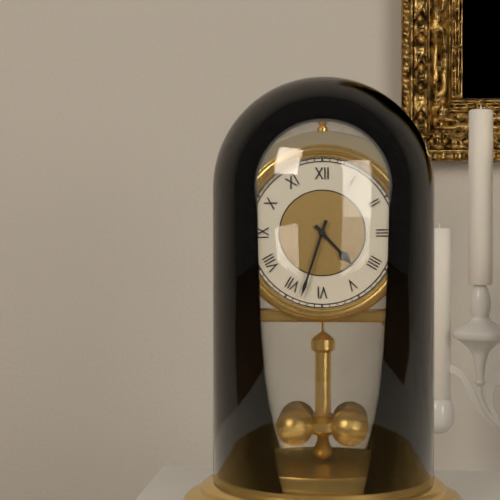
4,33
